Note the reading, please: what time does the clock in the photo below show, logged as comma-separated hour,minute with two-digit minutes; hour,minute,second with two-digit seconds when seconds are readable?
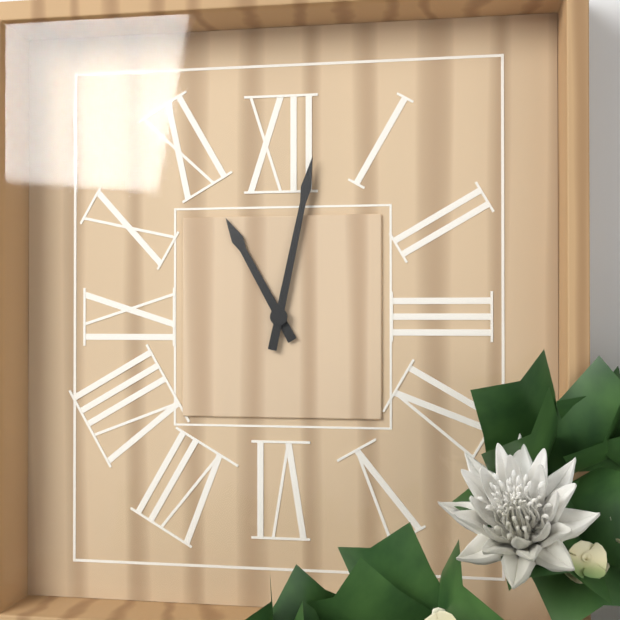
11,02
